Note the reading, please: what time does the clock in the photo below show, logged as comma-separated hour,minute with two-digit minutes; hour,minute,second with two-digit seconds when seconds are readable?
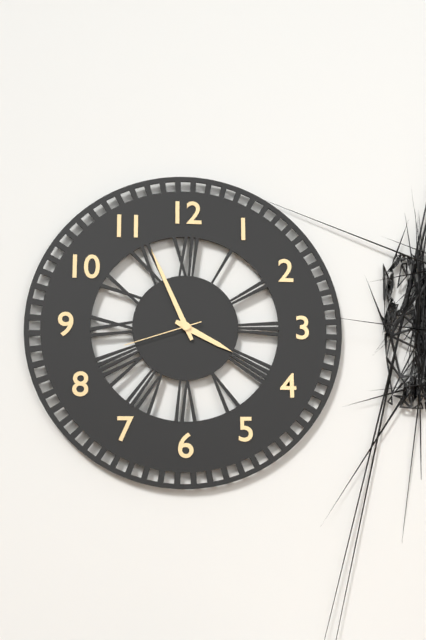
3,56,42
